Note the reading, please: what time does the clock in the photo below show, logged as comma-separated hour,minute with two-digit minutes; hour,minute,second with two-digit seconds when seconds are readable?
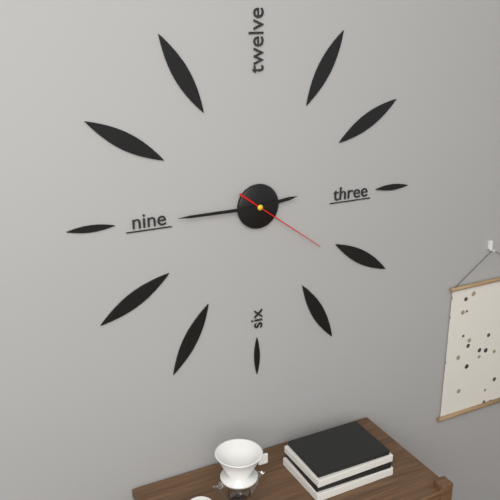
2,45,21
